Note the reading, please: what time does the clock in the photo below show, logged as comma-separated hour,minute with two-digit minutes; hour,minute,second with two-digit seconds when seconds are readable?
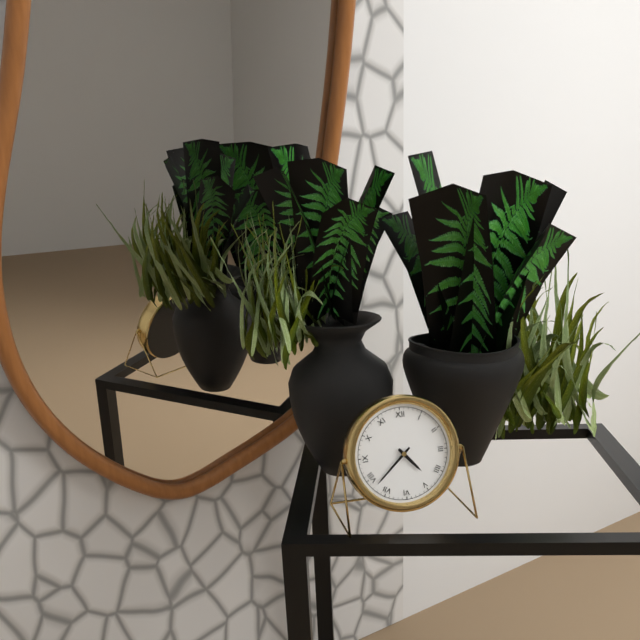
4,38
